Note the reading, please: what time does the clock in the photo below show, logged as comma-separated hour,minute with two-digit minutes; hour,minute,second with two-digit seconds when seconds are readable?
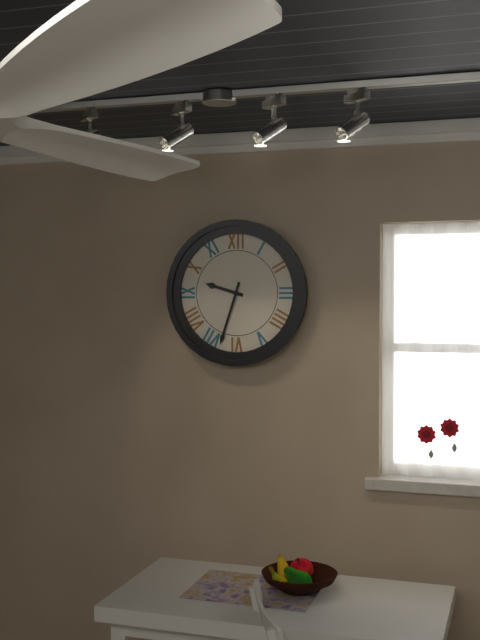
9,33
